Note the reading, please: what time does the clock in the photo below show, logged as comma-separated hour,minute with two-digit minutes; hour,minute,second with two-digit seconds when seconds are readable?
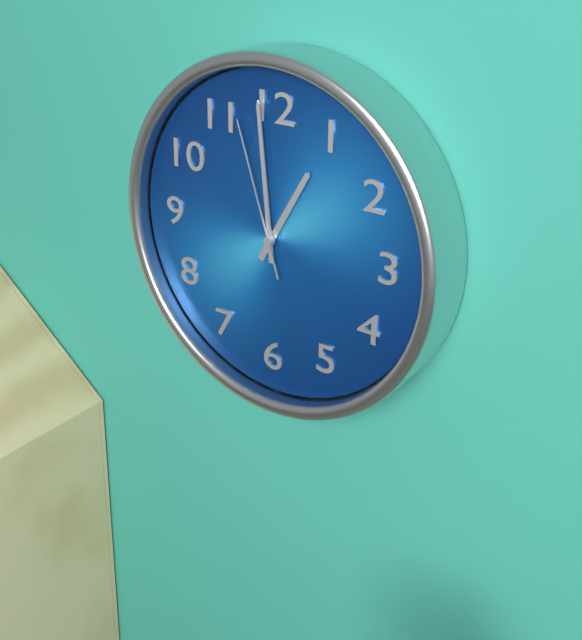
12,59,57
